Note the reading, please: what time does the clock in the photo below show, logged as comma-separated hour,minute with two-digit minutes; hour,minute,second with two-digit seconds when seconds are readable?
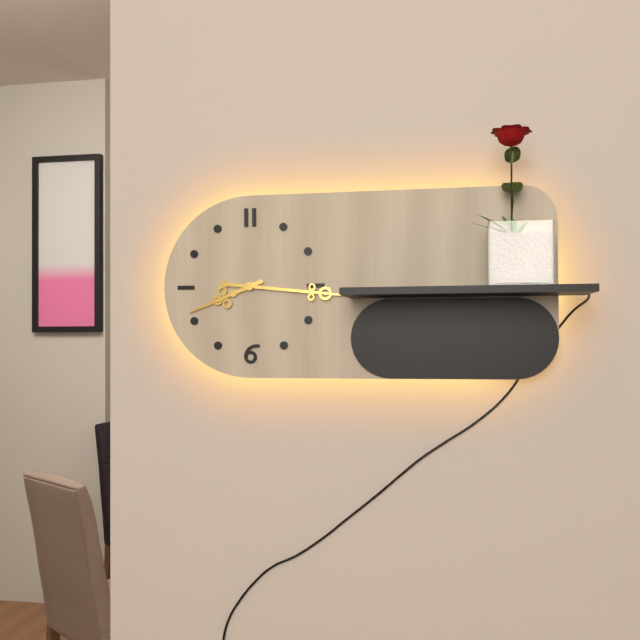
8,16
